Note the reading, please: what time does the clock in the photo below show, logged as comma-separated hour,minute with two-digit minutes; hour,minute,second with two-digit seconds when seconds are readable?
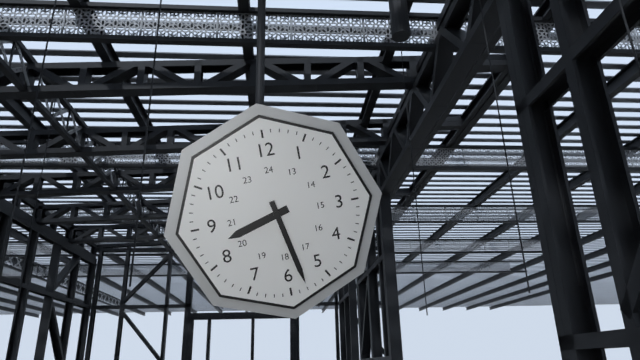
8,28
